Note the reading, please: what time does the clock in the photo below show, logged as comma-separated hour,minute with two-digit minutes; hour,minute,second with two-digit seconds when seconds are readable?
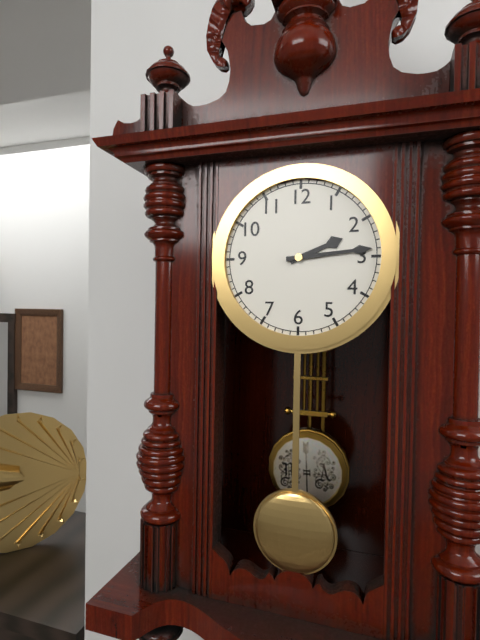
2,14
